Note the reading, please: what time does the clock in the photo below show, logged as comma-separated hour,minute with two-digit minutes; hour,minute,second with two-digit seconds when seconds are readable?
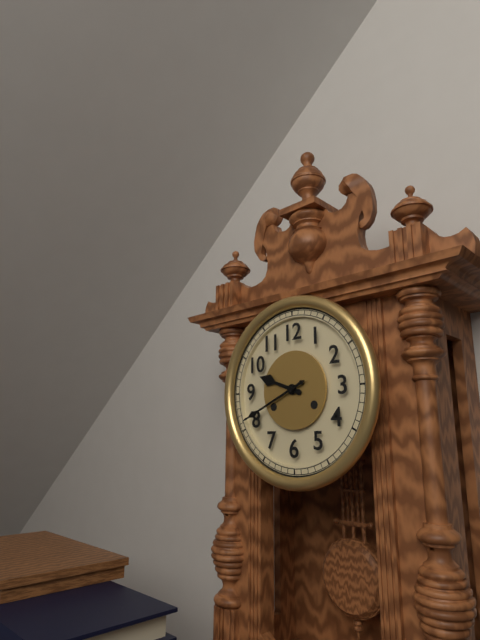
9,41
